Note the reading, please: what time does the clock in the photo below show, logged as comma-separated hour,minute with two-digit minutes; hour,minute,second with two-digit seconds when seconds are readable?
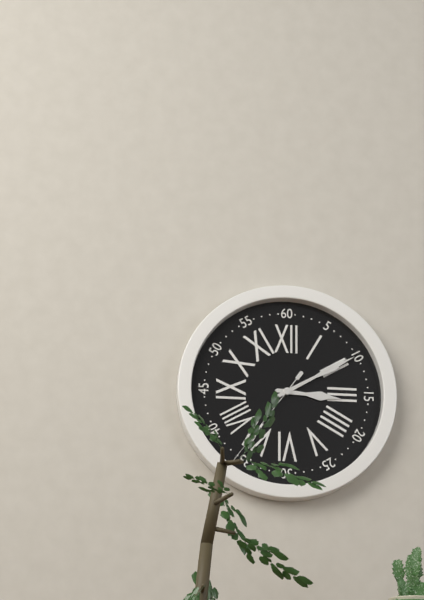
3,10
